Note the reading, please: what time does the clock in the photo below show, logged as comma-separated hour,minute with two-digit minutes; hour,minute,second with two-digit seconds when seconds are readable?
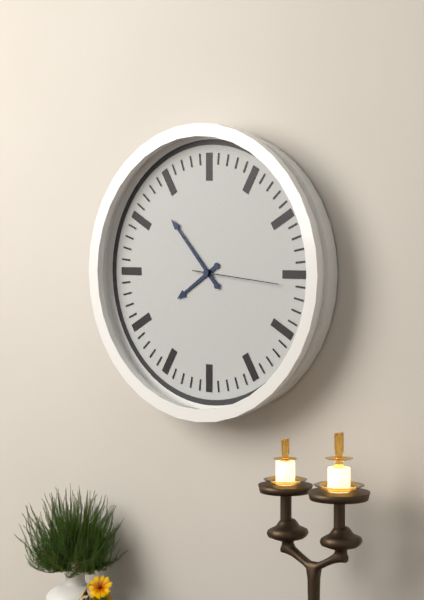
7,53,16
